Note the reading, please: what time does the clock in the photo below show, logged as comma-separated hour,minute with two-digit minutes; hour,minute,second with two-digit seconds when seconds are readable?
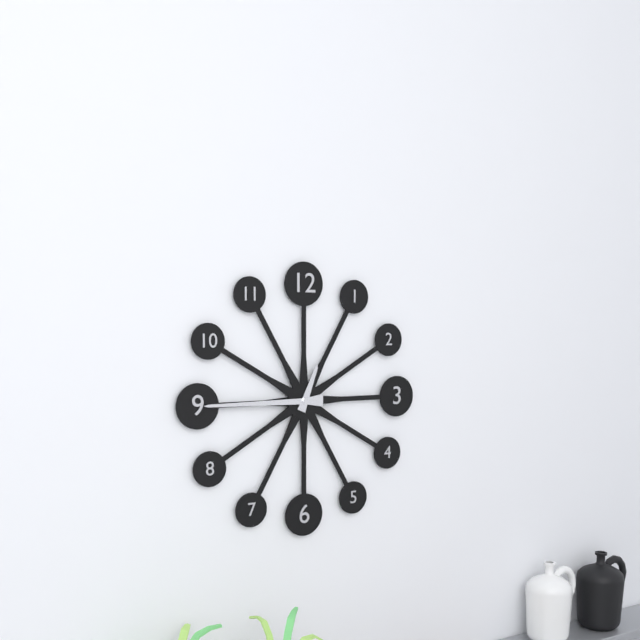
12,45
